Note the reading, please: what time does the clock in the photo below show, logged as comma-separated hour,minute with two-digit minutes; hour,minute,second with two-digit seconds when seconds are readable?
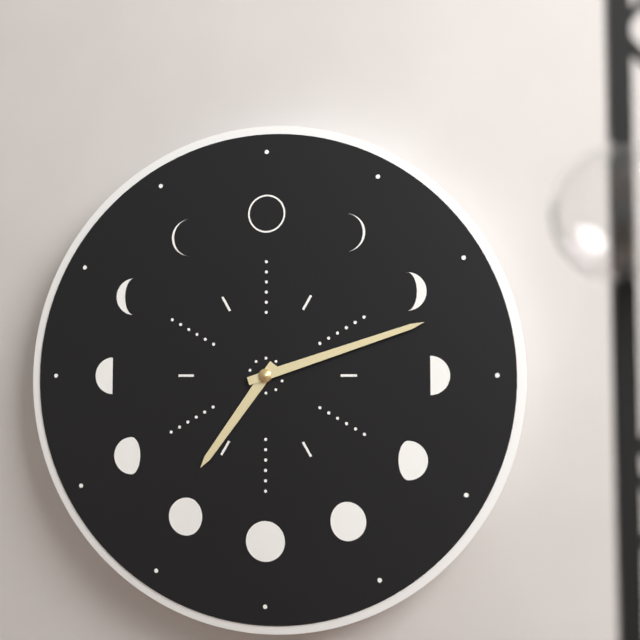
7,12
